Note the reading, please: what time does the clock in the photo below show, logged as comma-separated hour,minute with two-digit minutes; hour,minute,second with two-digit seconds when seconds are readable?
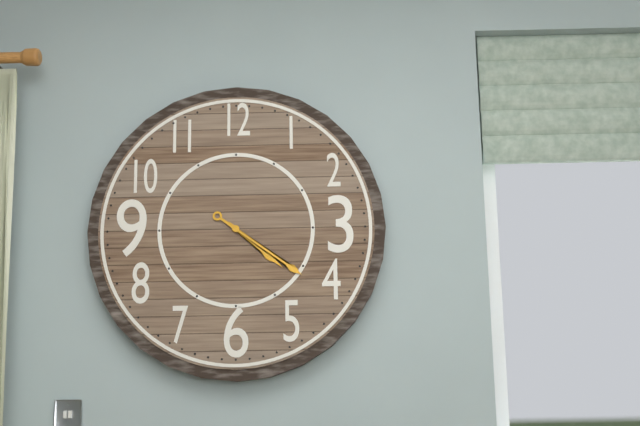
4,21
